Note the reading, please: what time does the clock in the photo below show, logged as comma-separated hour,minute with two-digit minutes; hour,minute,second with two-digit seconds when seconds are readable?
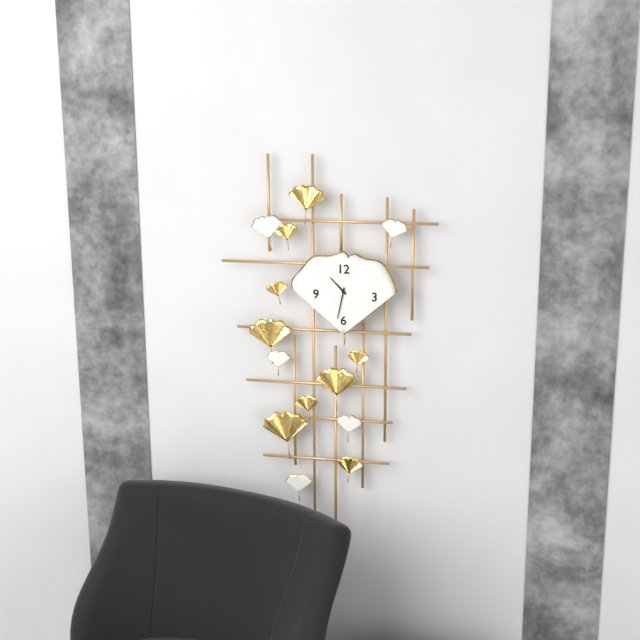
10,32
